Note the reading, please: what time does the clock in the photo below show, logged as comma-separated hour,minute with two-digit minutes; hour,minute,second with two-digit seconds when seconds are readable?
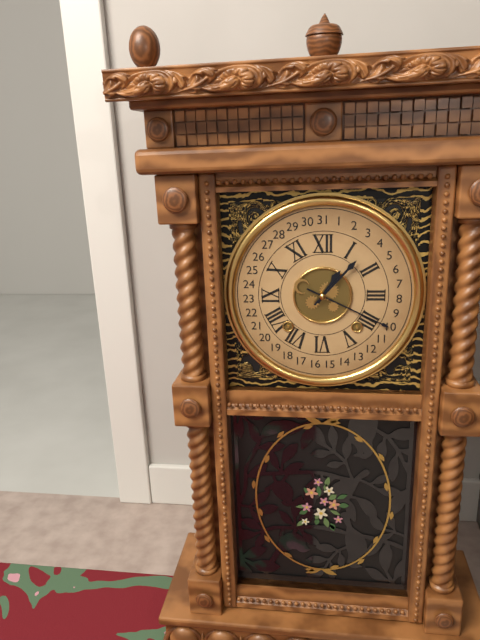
1,07
